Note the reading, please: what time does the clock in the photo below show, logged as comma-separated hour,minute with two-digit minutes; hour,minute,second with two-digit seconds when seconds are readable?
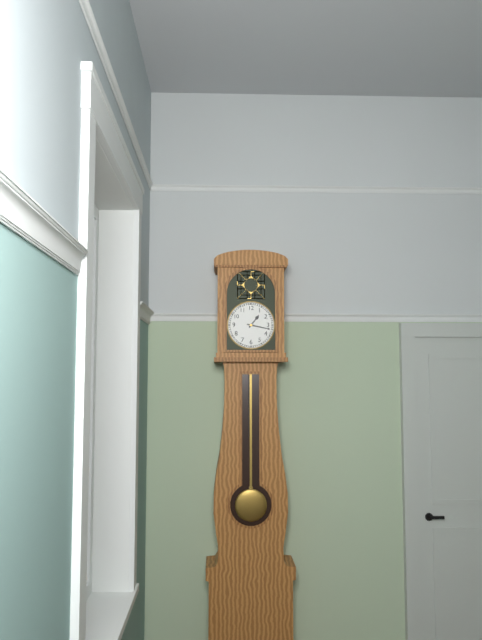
1,17
